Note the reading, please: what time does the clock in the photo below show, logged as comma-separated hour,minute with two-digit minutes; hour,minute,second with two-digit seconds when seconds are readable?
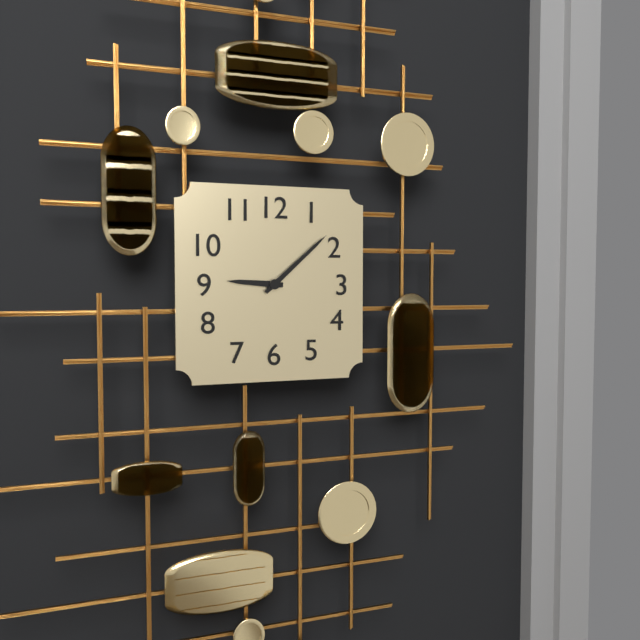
9,08
